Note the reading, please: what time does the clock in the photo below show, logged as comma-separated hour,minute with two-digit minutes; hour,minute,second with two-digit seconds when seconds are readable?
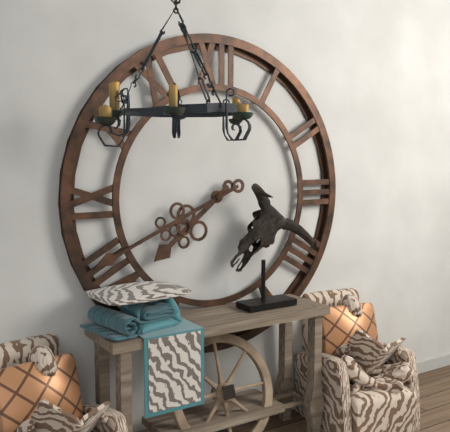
7,41
